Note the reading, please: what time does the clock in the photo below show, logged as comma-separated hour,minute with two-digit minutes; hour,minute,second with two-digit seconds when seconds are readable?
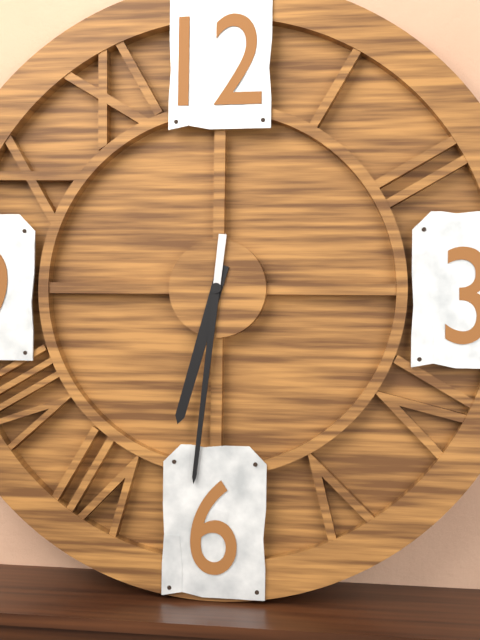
6,31
